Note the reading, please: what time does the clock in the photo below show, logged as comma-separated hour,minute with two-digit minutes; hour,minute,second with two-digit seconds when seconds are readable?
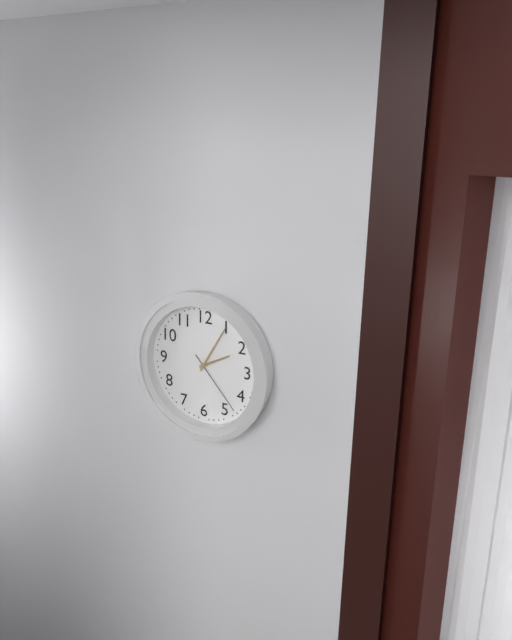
2,05,23
